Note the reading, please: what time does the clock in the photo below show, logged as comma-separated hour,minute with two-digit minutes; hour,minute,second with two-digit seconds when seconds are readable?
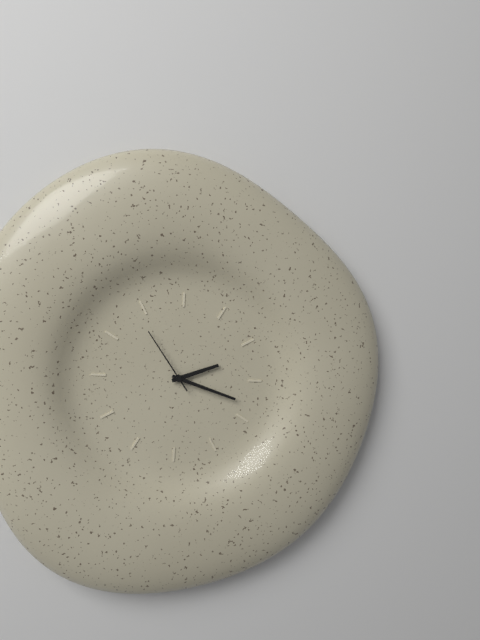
2,18,54
